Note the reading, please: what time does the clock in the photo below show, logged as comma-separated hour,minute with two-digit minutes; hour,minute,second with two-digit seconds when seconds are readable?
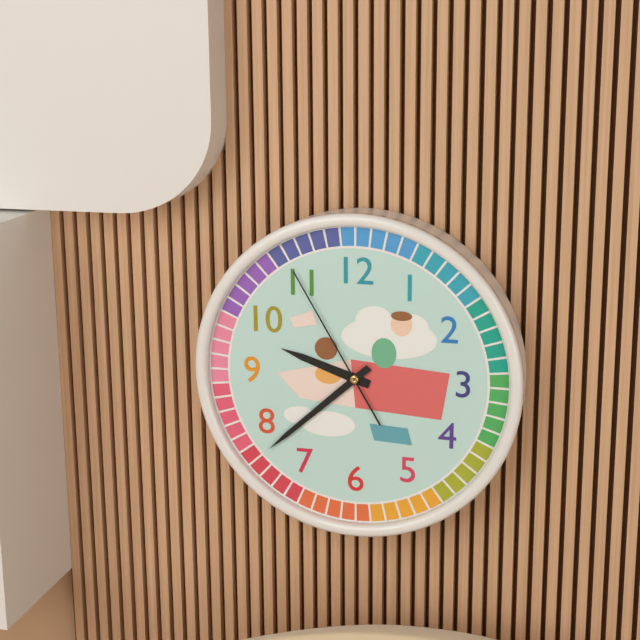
9,38,55
